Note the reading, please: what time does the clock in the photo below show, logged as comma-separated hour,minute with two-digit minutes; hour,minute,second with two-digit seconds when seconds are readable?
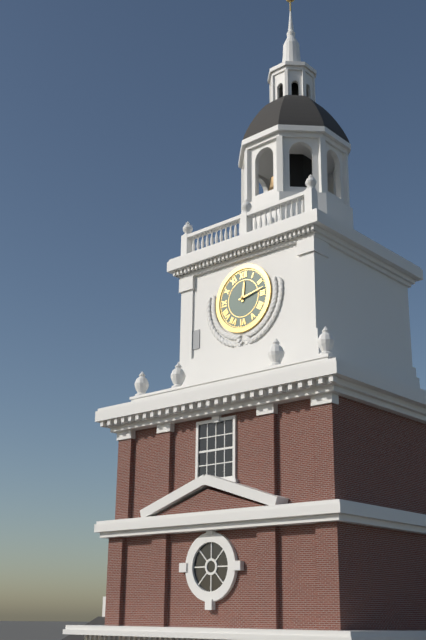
12,13
